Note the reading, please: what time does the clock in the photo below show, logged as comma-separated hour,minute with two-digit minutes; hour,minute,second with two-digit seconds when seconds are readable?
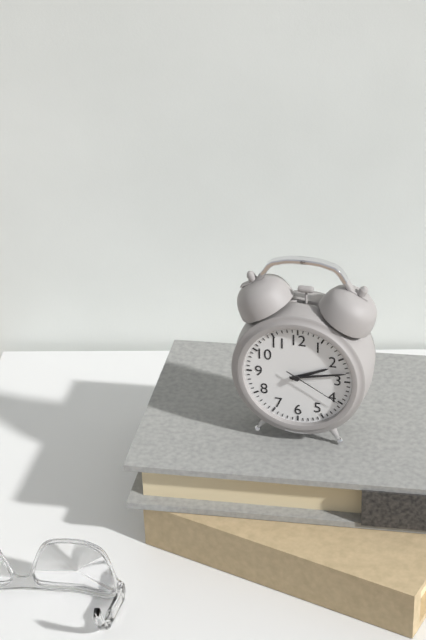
2,13,20
